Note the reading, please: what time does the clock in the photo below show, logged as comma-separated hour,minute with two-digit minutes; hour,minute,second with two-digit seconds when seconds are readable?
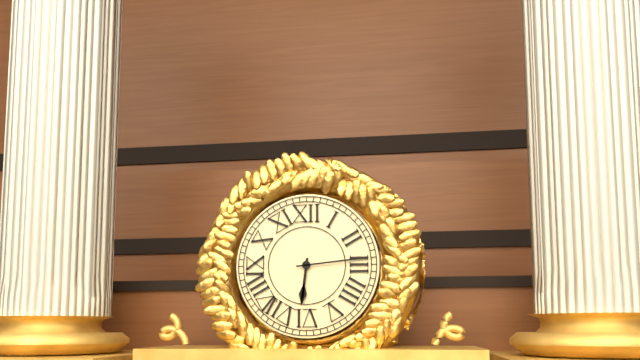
6,14
